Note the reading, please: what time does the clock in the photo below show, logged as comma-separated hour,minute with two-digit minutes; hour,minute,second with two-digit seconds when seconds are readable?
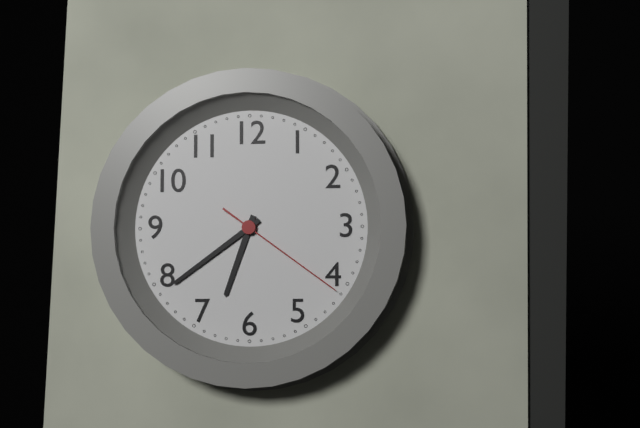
6,39,21
